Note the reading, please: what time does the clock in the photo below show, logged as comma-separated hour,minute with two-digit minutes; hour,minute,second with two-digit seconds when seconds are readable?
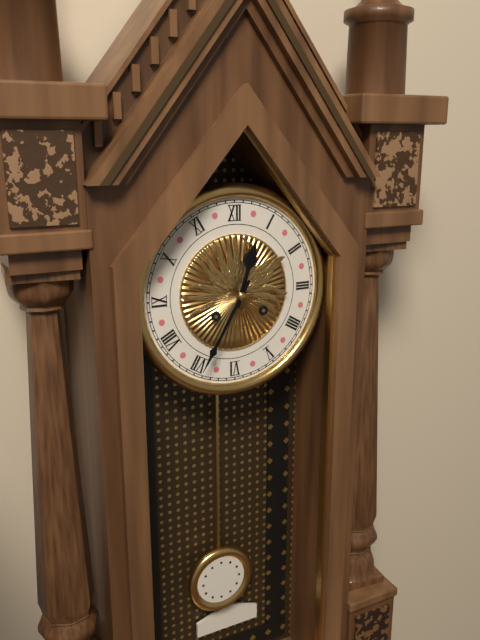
12,35
